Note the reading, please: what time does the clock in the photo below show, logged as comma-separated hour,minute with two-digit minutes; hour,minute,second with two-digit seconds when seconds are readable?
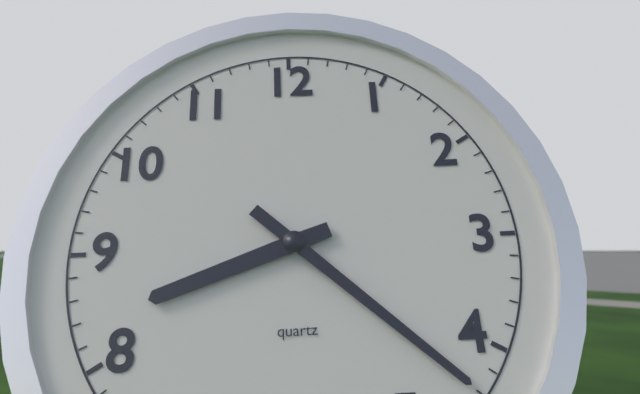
8,22
